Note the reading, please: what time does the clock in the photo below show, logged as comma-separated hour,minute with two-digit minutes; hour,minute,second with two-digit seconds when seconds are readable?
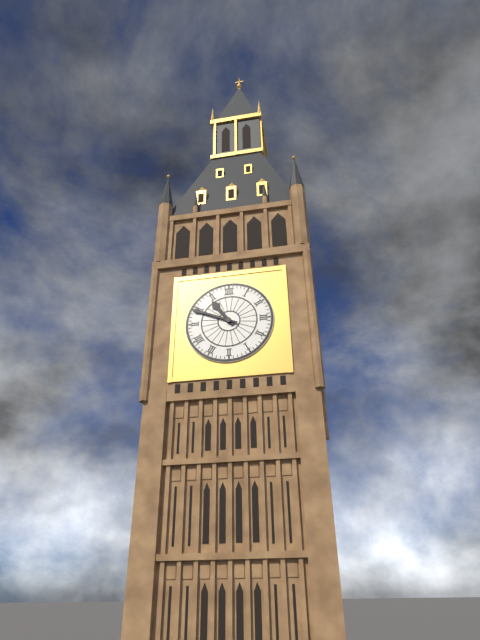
10,49
